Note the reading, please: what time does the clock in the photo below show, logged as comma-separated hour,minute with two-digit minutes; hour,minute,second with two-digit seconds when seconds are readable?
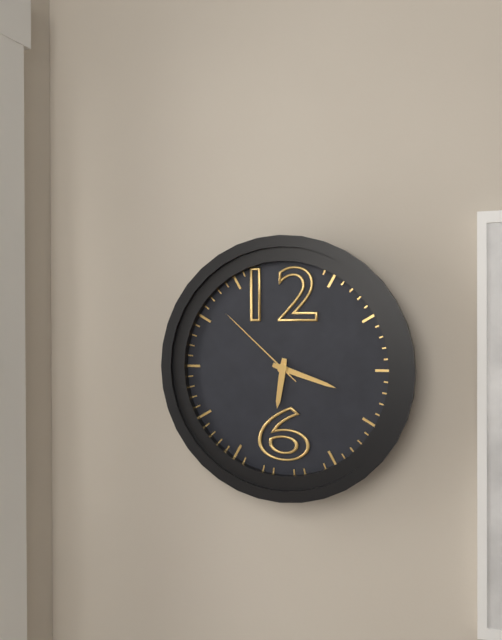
6,18,52
